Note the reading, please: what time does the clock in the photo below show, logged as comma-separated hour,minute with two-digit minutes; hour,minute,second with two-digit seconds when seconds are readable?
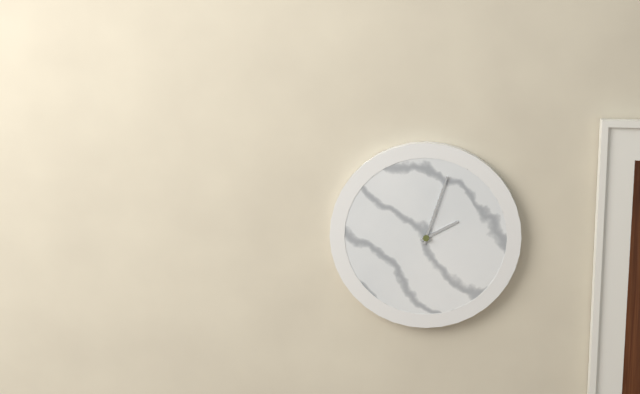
2,03
